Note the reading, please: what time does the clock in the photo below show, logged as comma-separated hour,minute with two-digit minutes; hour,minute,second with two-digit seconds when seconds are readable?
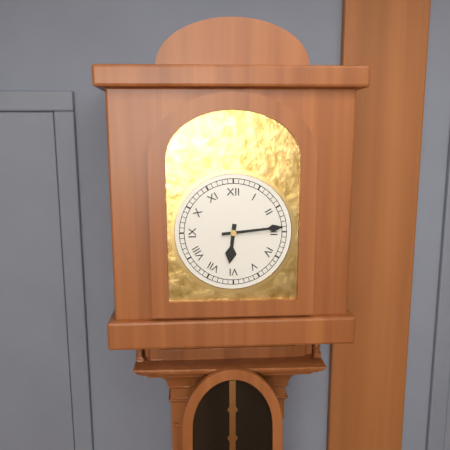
6,14
